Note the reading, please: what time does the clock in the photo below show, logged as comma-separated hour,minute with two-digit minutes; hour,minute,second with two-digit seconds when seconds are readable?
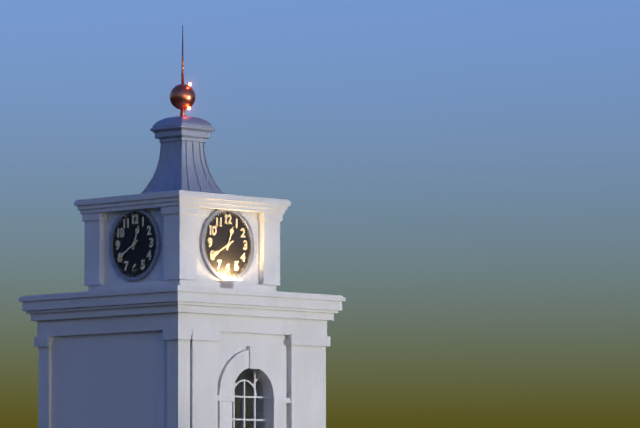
12,40
